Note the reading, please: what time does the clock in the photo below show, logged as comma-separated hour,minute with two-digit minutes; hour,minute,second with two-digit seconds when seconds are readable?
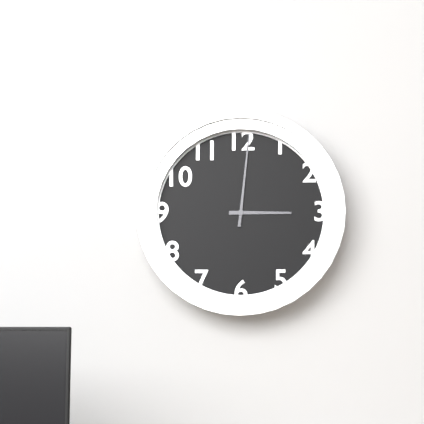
3,01
